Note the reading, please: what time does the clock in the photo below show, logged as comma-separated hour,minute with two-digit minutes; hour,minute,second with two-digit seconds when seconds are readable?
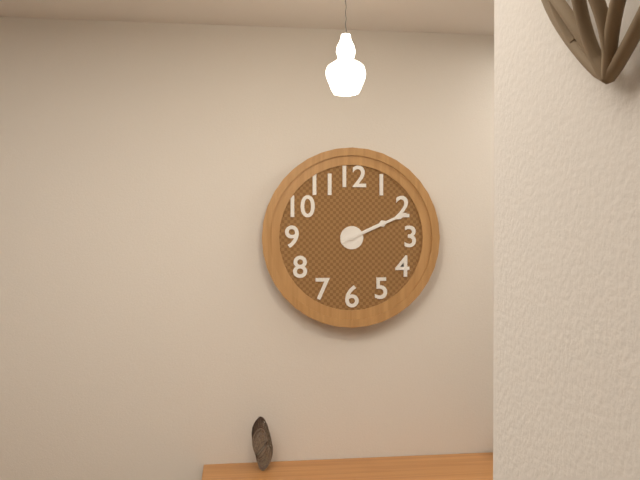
2,11
